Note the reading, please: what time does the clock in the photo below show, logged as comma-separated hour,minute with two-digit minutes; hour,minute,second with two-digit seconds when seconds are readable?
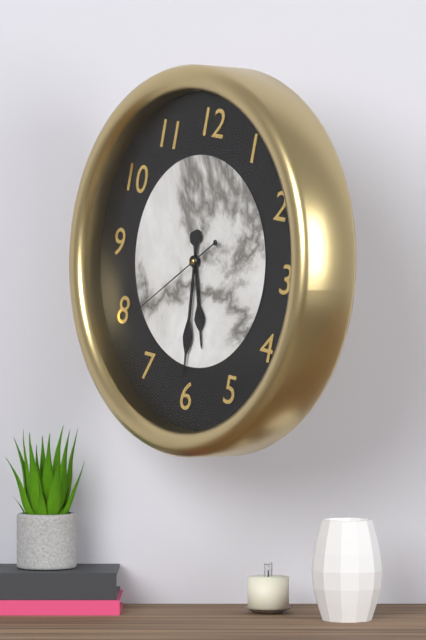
5,30,39
